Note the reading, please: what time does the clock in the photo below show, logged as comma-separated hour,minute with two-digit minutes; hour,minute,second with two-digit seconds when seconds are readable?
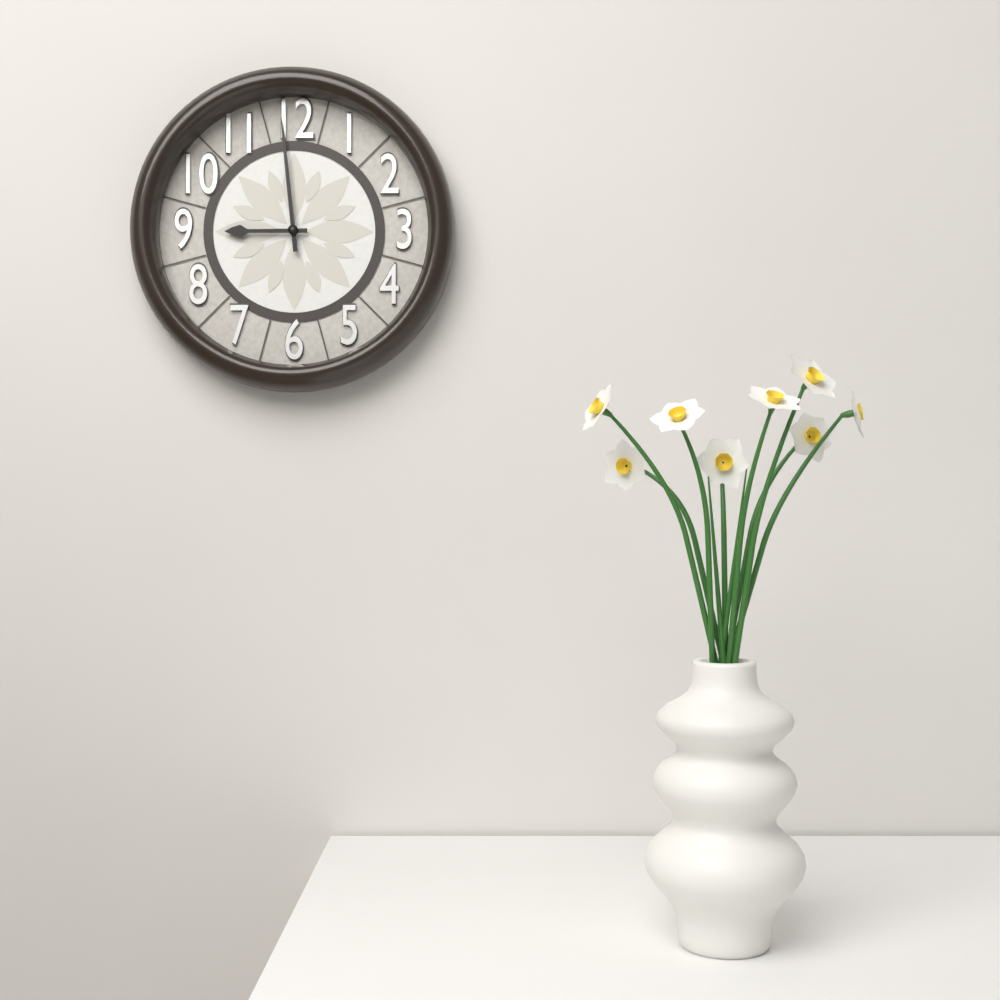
8,59
